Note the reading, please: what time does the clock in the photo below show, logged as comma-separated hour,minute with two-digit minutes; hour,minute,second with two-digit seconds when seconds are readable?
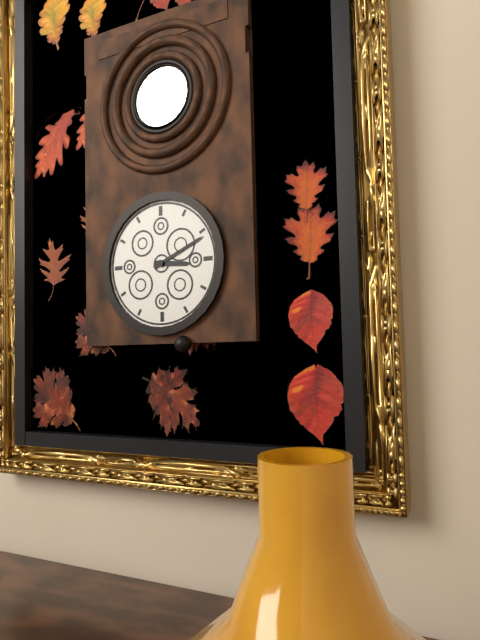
3,11
